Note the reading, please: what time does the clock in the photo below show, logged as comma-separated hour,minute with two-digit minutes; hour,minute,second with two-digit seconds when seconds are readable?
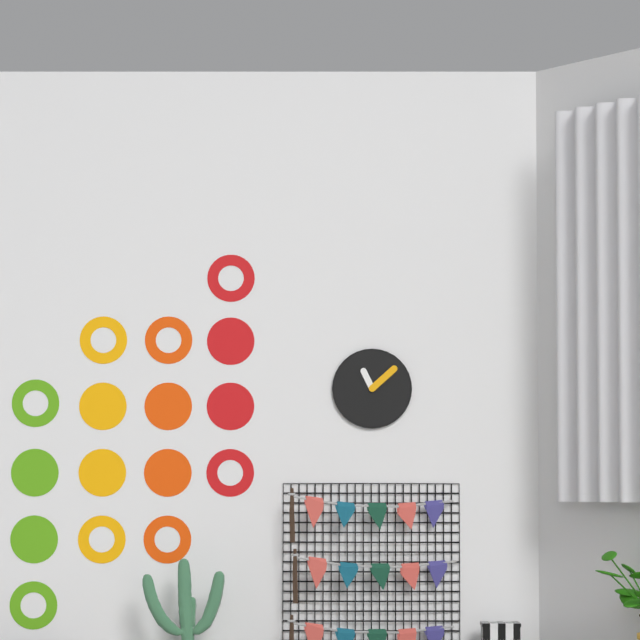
11,08
